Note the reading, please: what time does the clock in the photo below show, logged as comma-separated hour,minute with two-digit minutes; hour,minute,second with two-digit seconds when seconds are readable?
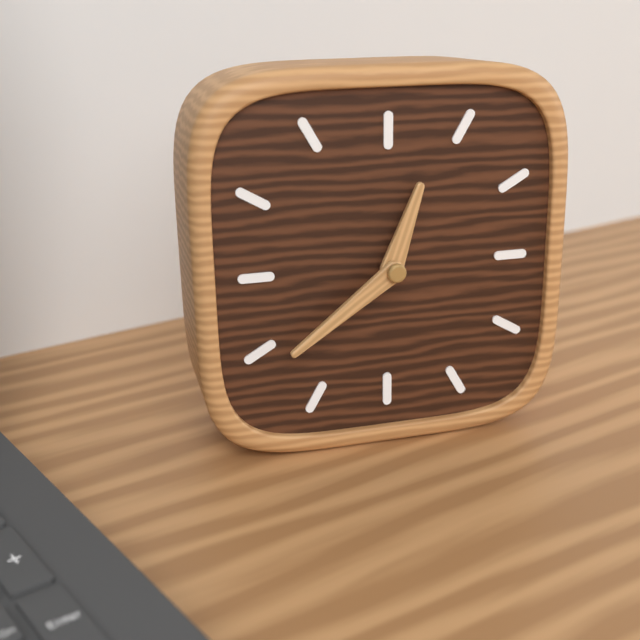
12,39
